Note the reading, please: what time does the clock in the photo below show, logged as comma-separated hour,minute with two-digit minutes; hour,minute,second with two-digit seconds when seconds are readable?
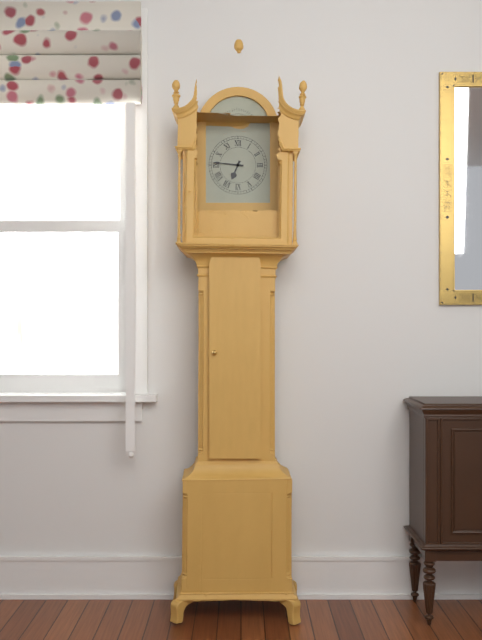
6,46
